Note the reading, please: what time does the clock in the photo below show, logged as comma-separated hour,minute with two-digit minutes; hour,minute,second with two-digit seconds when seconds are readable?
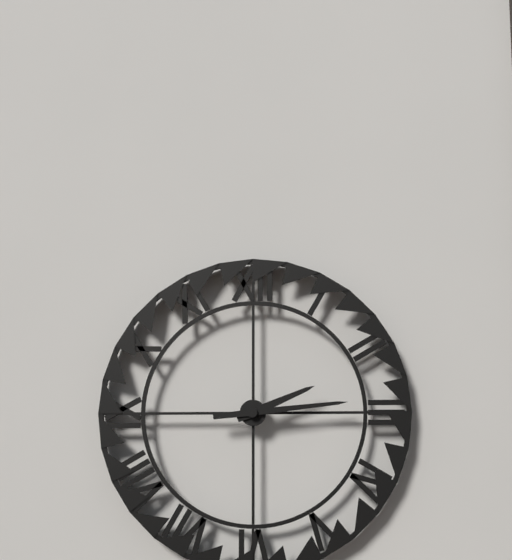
2,14
